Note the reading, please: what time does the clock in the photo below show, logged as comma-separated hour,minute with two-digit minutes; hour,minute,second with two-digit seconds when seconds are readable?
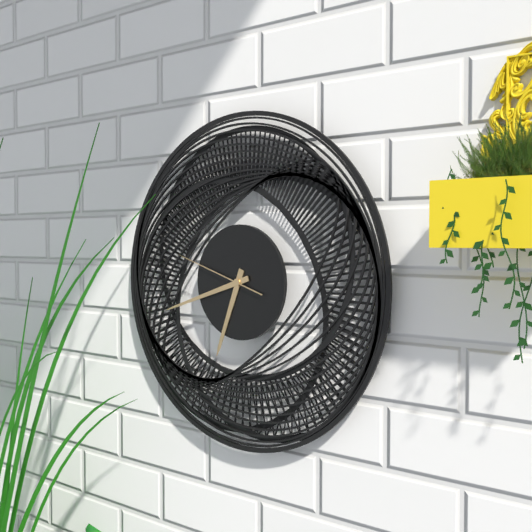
6,42,48
